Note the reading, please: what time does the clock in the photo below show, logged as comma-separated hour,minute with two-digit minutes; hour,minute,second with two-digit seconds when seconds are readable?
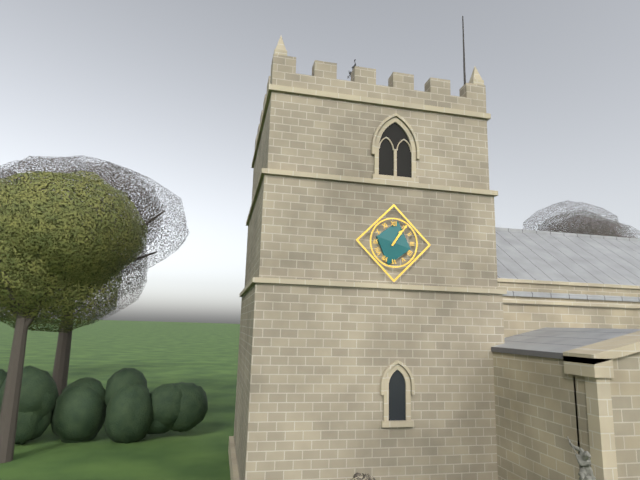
1,06
